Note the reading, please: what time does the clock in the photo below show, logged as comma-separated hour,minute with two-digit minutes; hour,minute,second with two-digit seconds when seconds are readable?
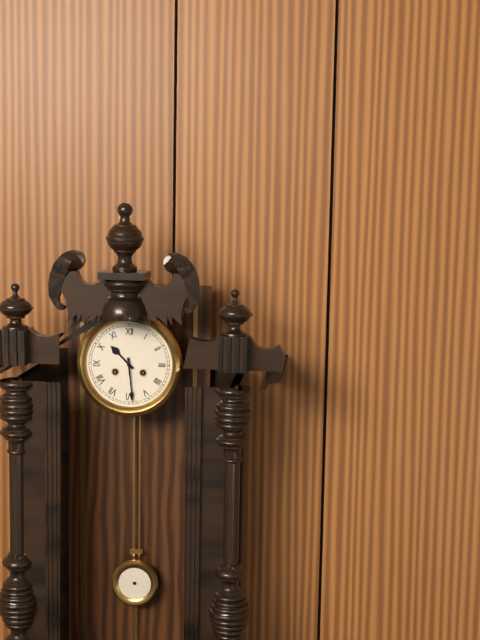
10,29
